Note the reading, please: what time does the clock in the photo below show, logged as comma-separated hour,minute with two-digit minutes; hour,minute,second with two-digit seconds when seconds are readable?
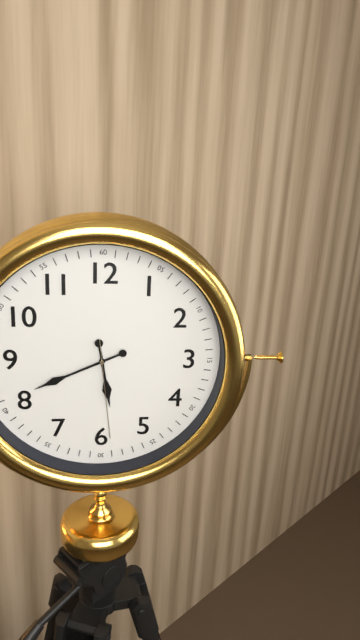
5,41,29
